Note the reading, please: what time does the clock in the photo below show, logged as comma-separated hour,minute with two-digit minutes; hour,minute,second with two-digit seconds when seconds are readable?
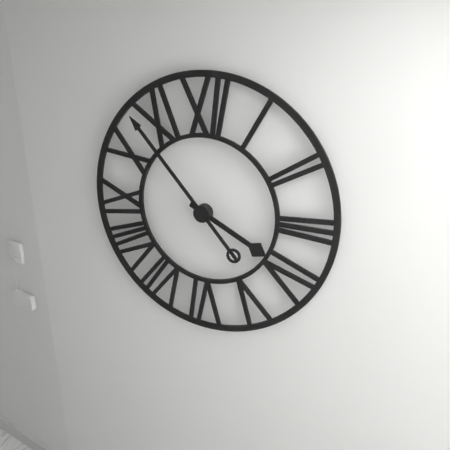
3,53
